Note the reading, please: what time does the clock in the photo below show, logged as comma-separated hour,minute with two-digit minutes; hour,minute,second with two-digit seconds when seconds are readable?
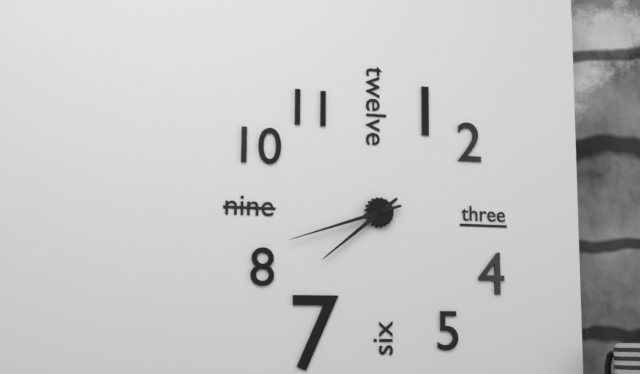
7,42
